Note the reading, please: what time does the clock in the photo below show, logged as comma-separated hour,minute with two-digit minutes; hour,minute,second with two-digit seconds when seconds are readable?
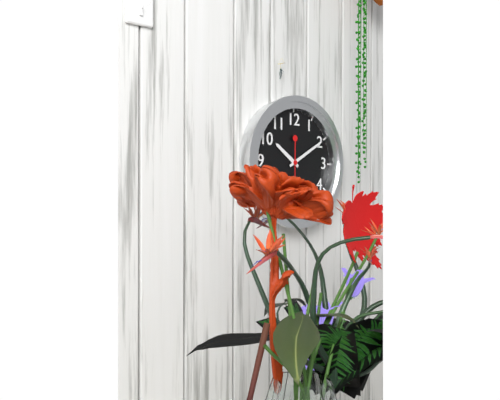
10,10
